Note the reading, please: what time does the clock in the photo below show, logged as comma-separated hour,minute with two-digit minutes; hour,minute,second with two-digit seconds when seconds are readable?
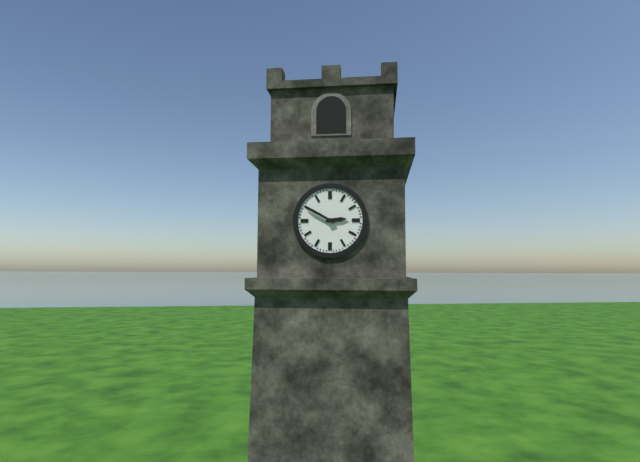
2,50
